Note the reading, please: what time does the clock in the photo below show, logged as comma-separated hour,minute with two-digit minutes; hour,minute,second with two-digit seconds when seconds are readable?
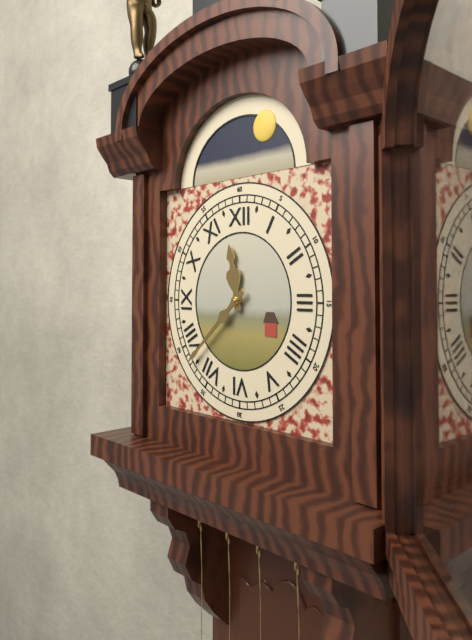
11,38
